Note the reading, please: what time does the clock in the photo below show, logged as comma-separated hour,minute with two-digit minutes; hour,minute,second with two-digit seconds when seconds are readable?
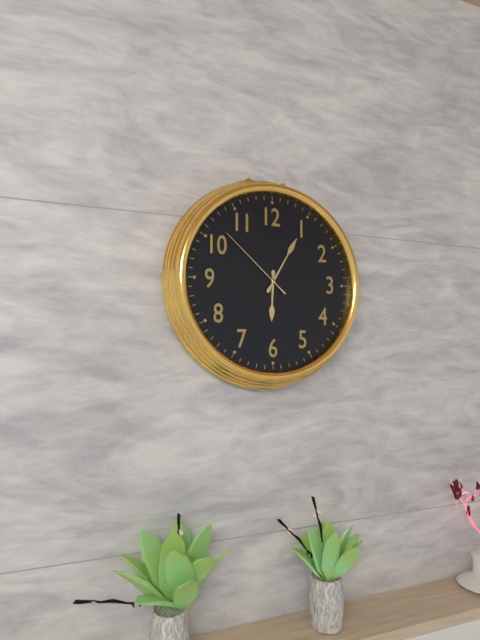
6,05,52
